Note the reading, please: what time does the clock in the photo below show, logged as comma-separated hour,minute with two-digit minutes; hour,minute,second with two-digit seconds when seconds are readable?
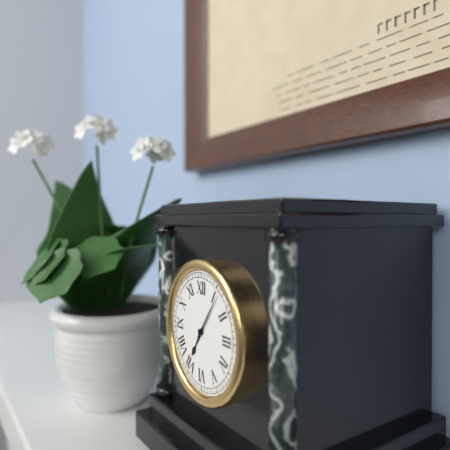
7,06
